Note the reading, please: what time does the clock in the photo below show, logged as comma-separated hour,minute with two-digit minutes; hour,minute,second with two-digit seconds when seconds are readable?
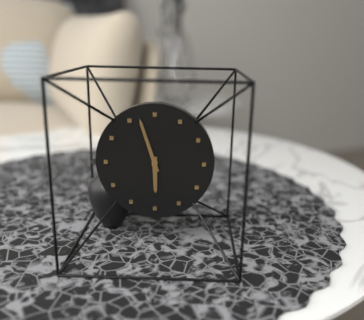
5,57
